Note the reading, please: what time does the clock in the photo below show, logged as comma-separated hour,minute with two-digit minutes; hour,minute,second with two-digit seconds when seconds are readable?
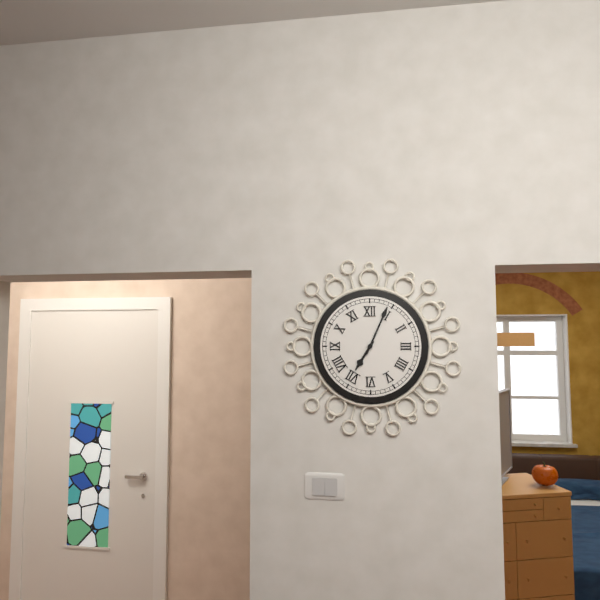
7,04
